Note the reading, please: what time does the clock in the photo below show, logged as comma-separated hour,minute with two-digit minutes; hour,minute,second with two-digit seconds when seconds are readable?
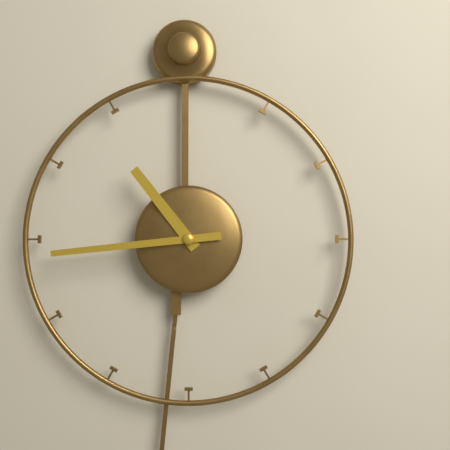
10,44
